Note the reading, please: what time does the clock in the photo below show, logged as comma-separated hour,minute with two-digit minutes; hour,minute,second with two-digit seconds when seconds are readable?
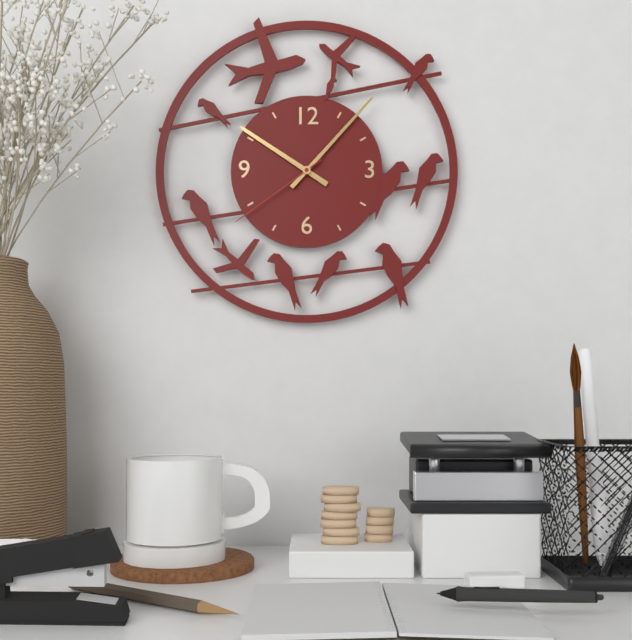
10,07,39
